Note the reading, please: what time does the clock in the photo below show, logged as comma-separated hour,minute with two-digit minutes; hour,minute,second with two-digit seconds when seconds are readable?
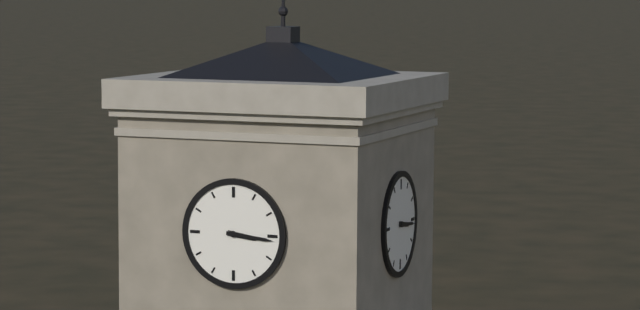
3,16
